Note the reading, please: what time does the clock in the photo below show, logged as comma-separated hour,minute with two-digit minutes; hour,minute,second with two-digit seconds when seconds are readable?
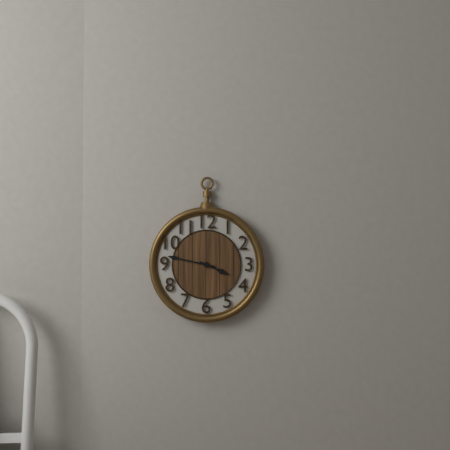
3,47
